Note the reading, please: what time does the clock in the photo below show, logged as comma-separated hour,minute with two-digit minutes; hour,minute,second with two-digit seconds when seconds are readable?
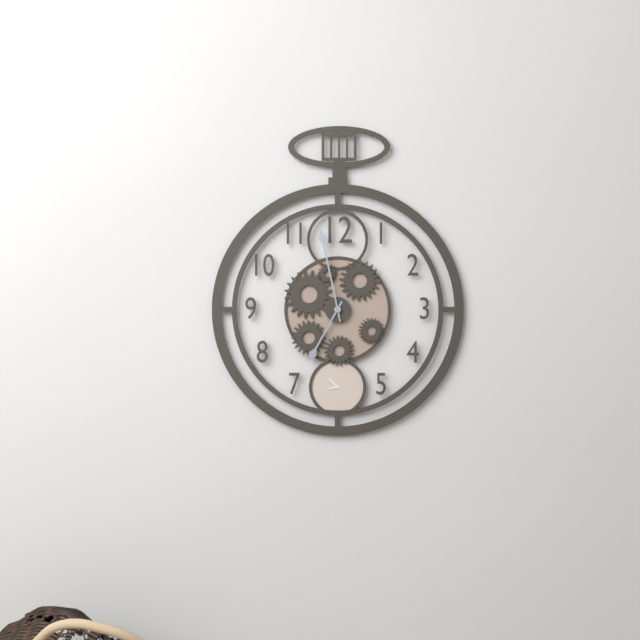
6,58
